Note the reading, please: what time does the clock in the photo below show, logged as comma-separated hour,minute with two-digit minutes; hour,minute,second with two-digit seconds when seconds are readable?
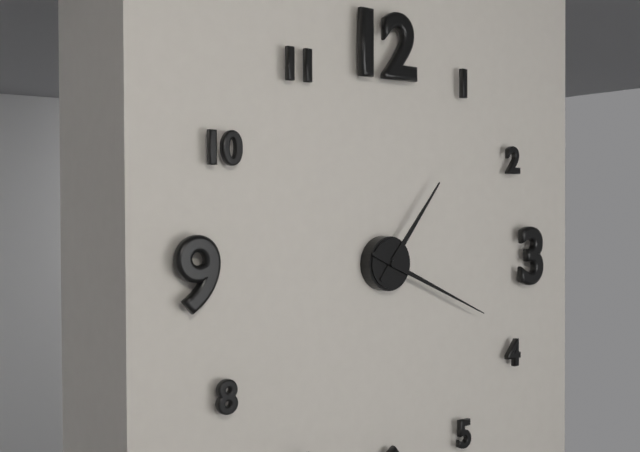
1,19
